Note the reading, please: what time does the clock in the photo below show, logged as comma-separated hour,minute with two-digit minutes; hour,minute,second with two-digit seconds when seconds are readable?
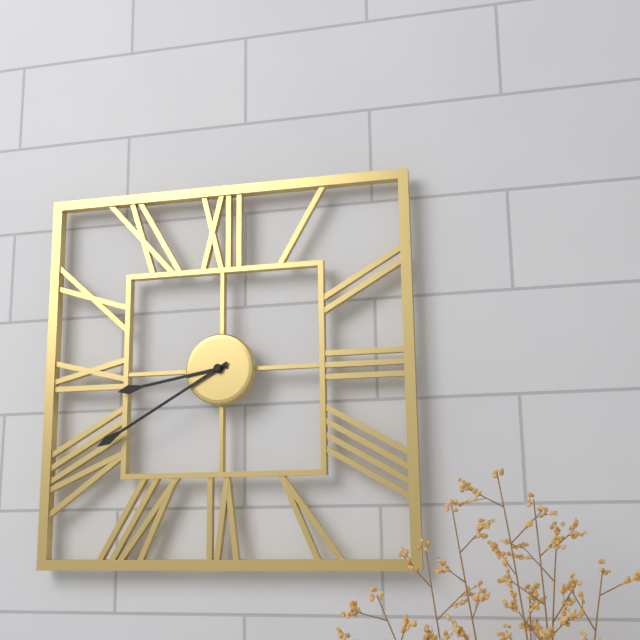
8,40
